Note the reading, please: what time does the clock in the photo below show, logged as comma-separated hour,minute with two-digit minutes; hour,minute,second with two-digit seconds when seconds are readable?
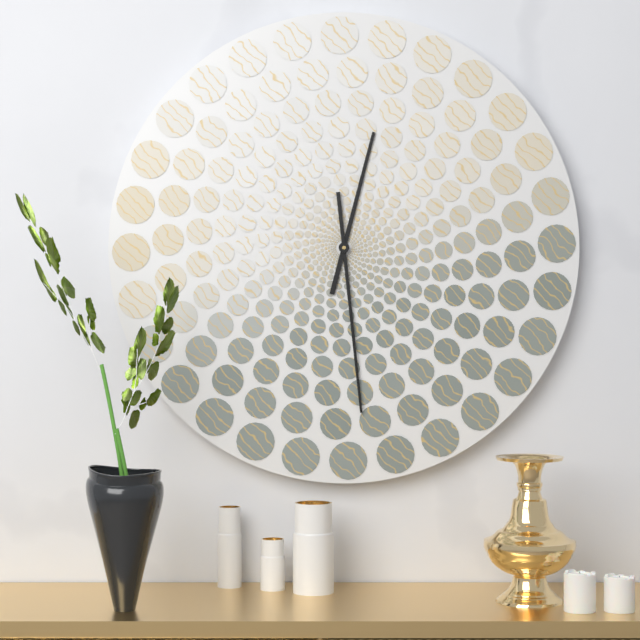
12,29
